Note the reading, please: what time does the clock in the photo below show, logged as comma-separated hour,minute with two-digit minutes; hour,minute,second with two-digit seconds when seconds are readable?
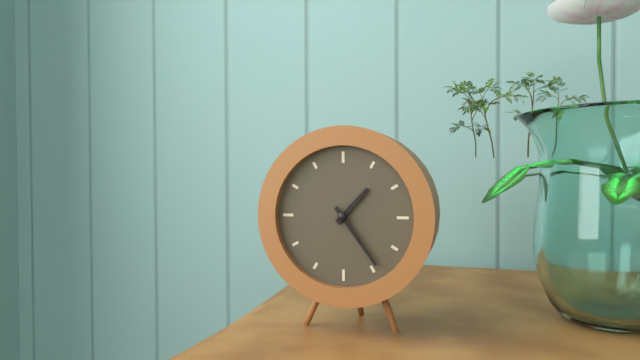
1,24
